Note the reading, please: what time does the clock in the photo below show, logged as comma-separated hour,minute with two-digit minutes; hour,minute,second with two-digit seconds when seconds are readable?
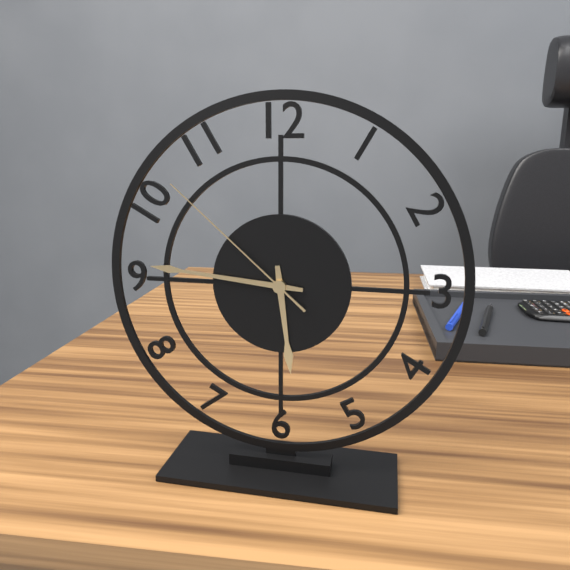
5,46,52
